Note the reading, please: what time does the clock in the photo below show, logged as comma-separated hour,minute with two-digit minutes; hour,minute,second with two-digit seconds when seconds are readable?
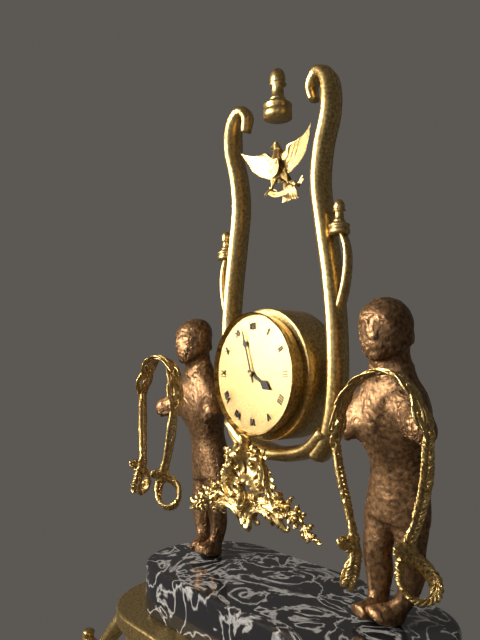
3,57
